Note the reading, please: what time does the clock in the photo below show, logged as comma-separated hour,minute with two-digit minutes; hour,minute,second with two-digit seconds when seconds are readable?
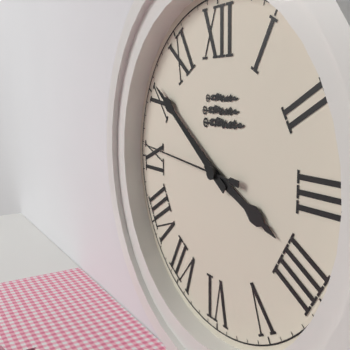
3,51,46
